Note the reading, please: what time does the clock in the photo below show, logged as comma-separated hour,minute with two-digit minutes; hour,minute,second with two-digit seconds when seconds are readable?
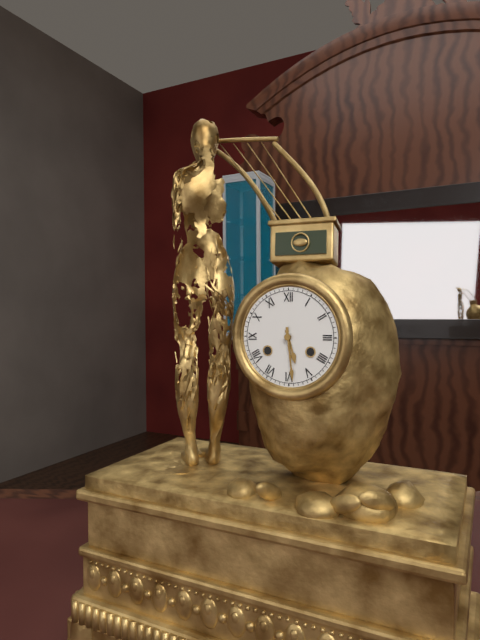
5,29
